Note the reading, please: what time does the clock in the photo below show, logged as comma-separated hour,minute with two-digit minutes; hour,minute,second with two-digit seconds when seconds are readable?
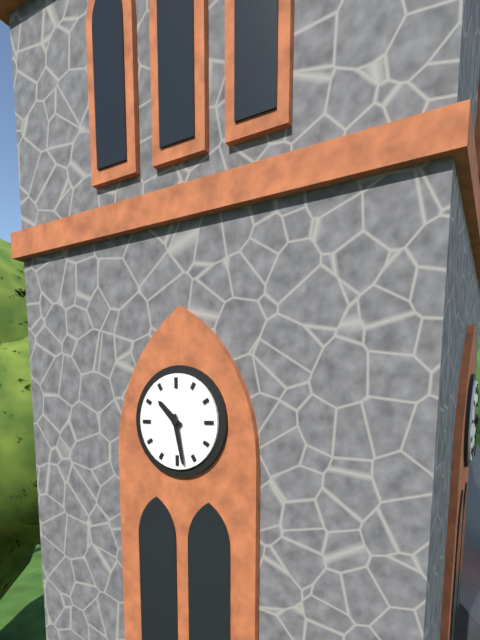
10,28
